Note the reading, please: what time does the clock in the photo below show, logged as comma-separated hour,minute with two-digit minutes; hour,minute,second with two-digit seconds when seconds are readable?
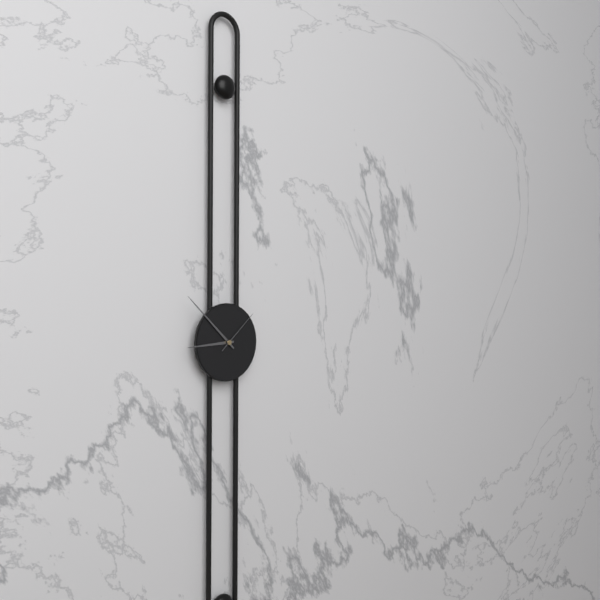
8,52
